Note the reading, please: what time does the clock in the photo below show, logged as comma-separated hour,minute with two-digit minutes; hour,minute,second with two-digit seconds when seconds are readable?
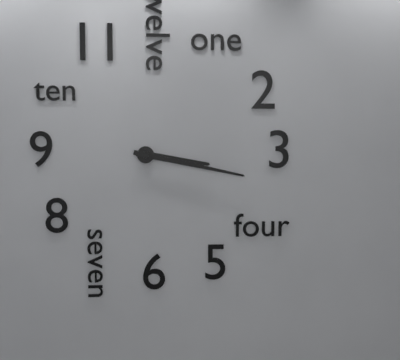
3,17
